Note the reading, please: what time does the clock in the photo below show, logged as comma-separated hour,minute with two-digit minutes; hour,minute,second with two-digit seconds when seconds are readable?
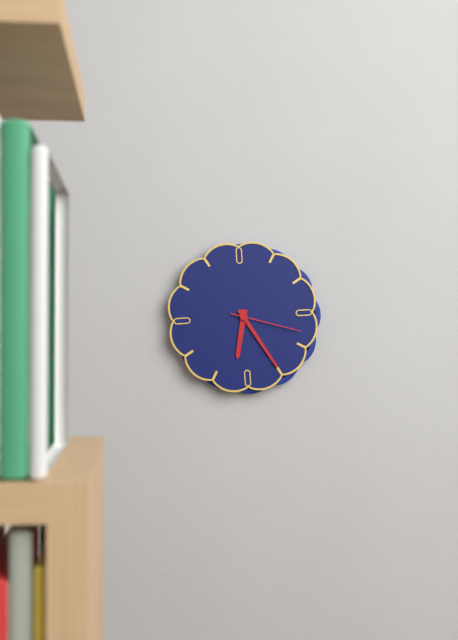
6,25,18
